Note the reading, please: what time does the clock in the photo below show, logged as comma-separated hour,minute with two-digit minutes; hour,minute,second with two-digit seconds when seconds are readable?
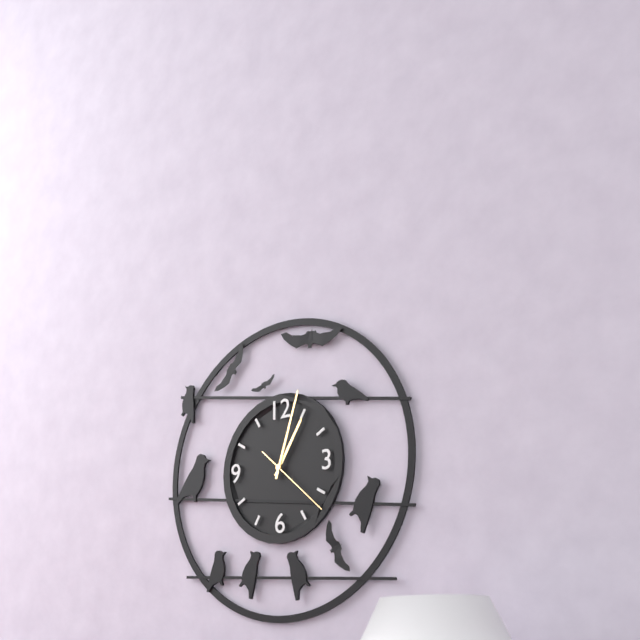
1,03,22
